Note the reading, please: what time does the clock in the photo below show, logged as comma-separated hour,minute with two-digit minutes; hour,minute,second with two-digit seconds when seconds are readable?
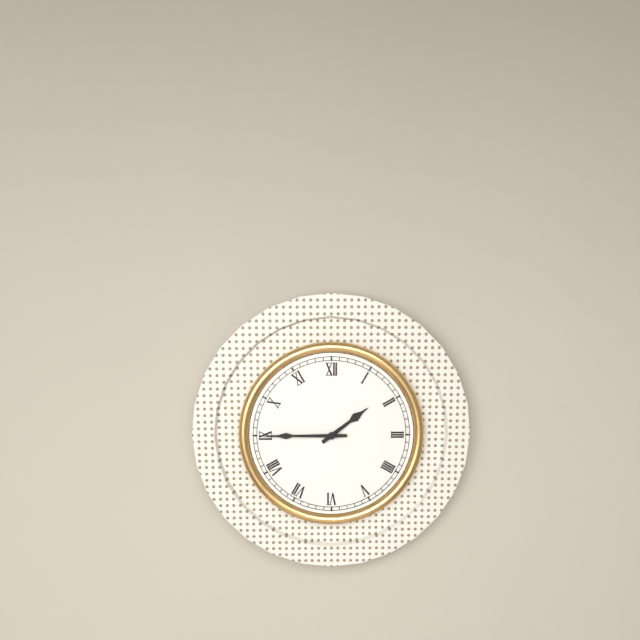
1,45
